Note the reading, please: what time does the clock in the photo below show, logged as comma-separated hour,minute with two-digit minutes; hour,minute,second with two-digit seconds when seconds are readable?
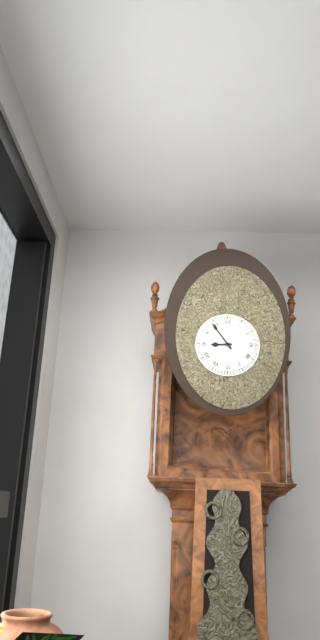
8,54
